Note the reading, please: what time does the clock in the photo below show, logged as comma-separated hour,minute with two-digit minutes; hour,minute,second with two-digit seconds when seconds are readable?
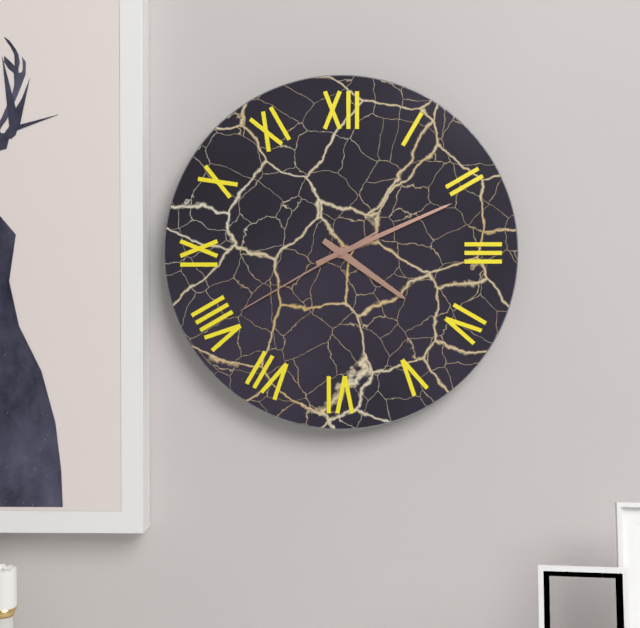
4,11,40
